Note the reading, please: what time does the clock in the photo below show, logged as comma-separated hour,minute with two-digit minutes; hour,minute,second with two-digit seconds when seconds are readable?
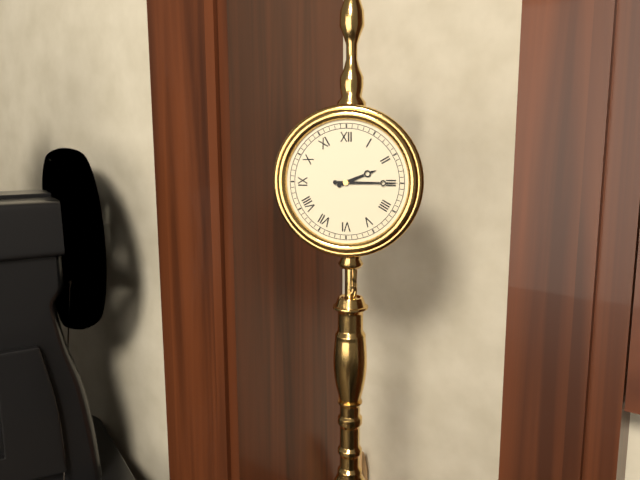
2,15
